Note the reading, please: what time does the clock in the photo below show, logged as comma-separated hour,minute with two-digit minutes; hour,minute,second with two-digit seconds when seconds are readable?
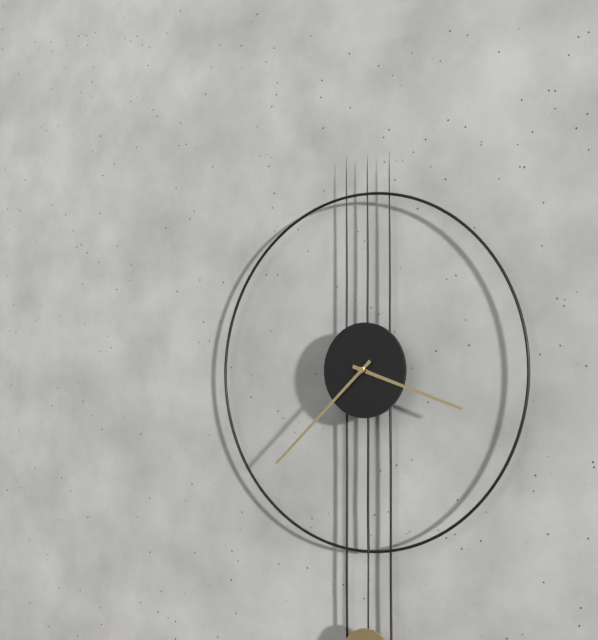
3,38
